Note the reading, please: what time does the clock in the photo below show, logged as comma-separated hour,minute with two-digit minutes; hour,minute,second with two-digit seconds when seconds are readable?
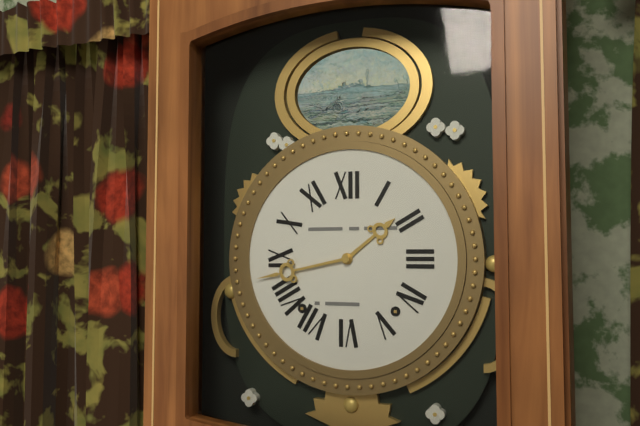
1,43
